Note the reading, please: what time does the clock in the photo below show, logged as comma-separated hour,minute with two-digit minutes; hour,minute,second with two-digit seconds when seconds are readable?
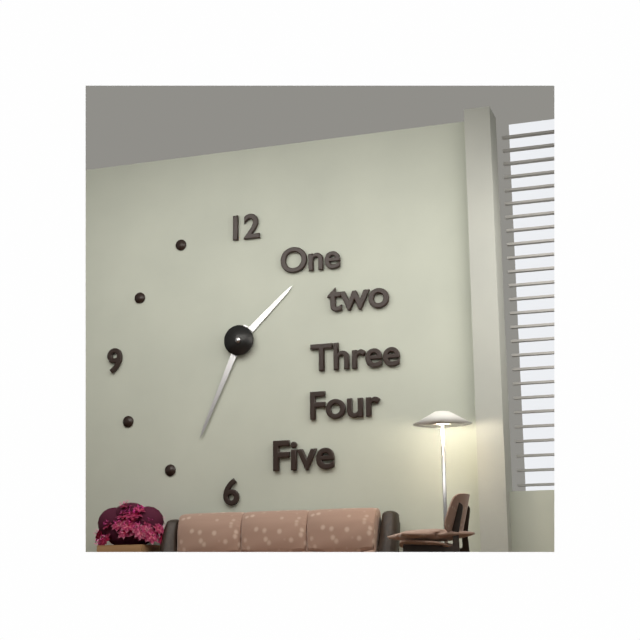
1,34
